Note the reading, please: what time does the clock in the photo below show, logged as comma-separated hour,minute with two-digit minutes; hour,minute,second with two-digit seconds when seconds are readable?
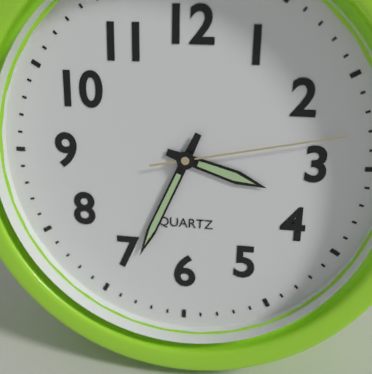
3,34,13
